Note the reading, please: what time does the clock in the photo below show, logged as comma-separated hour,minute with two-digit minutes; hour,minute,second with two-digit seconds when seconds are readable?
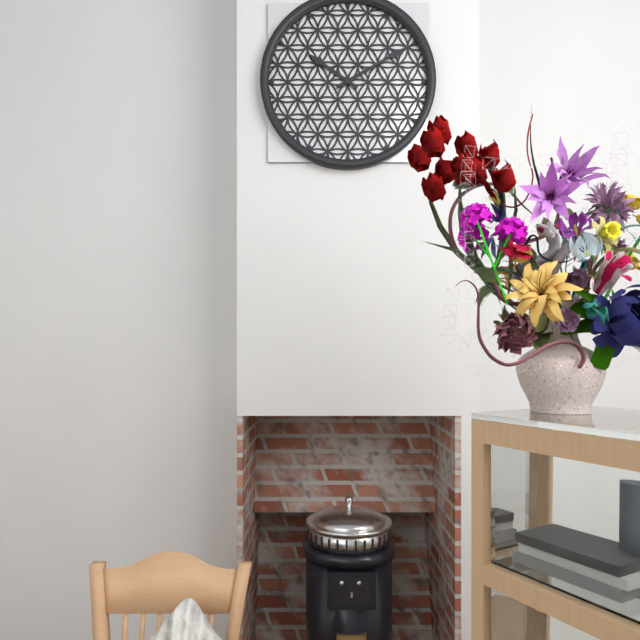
10,10
